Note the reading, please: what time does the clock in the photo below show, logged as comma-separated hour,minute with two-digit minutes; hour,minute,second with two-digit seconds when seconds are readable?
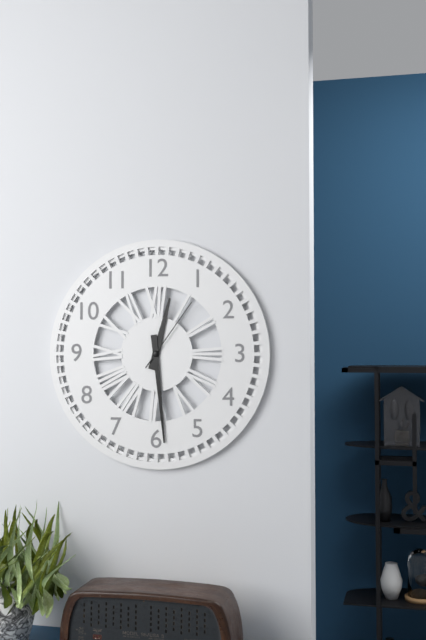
12,29,06
